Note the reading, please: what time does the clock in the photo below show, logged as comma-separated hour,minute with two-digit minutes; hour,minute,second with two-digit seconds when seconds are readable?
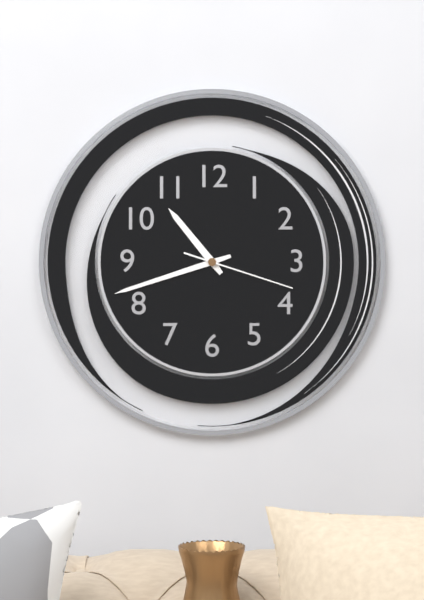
10,42,18
